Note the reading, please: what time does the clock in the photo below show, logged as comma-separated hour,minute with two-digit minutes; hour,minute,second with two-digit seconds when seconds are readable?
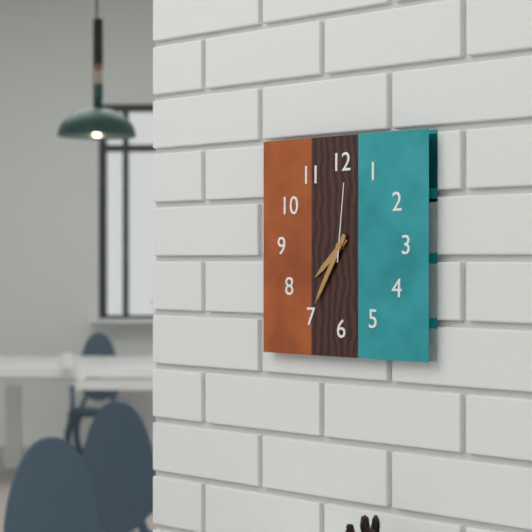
7,35,01
